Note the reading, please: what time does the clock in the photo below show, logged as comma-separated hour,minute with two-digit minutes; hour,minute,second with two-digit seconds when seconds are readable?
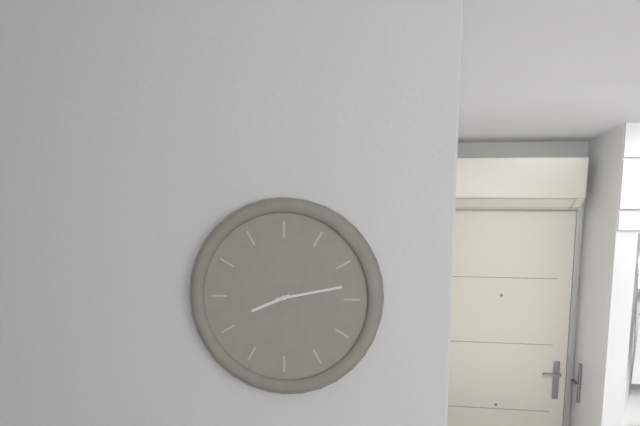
8,13
